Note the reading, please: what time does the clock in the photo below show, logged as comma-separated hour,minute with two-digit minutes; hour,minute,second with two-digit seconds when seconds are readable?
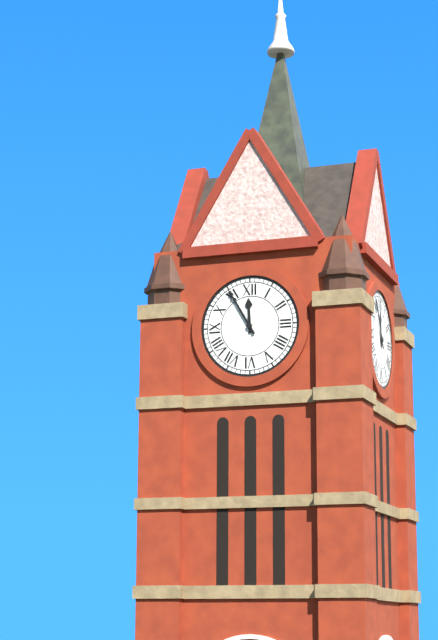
11,55
